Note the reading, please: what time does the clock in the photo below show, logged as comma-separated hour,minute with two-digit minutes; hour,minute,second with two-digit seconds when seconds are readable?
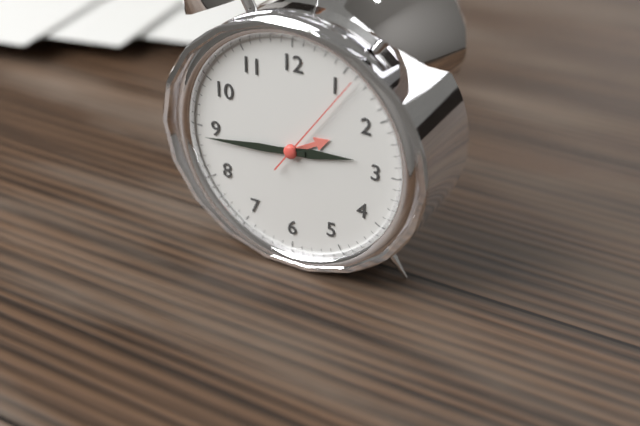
2,44,06
